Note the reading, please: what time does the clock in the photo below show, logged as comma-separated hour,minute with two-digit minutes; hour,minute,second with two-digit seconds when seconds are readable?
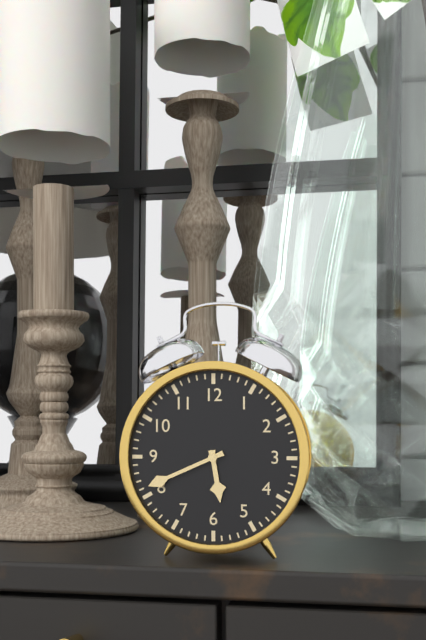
5,41
